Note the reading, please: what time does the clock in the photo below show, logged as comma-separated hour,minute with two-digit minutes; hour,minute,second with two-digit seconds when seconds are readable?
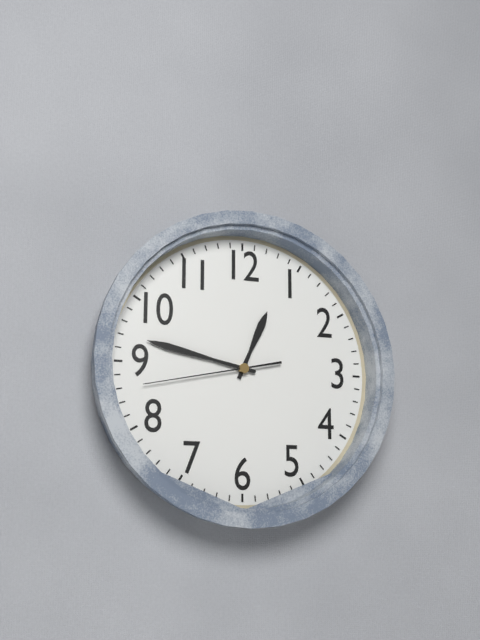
12,47,43
